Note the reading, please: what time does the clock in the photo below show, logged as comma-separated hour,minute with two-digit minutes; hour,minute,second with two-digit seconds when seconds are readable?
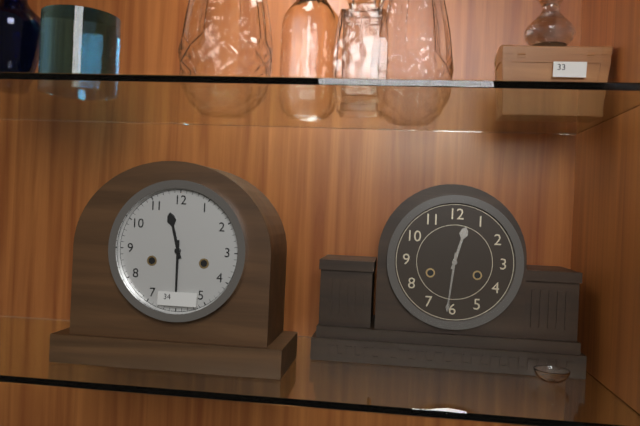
11,30
